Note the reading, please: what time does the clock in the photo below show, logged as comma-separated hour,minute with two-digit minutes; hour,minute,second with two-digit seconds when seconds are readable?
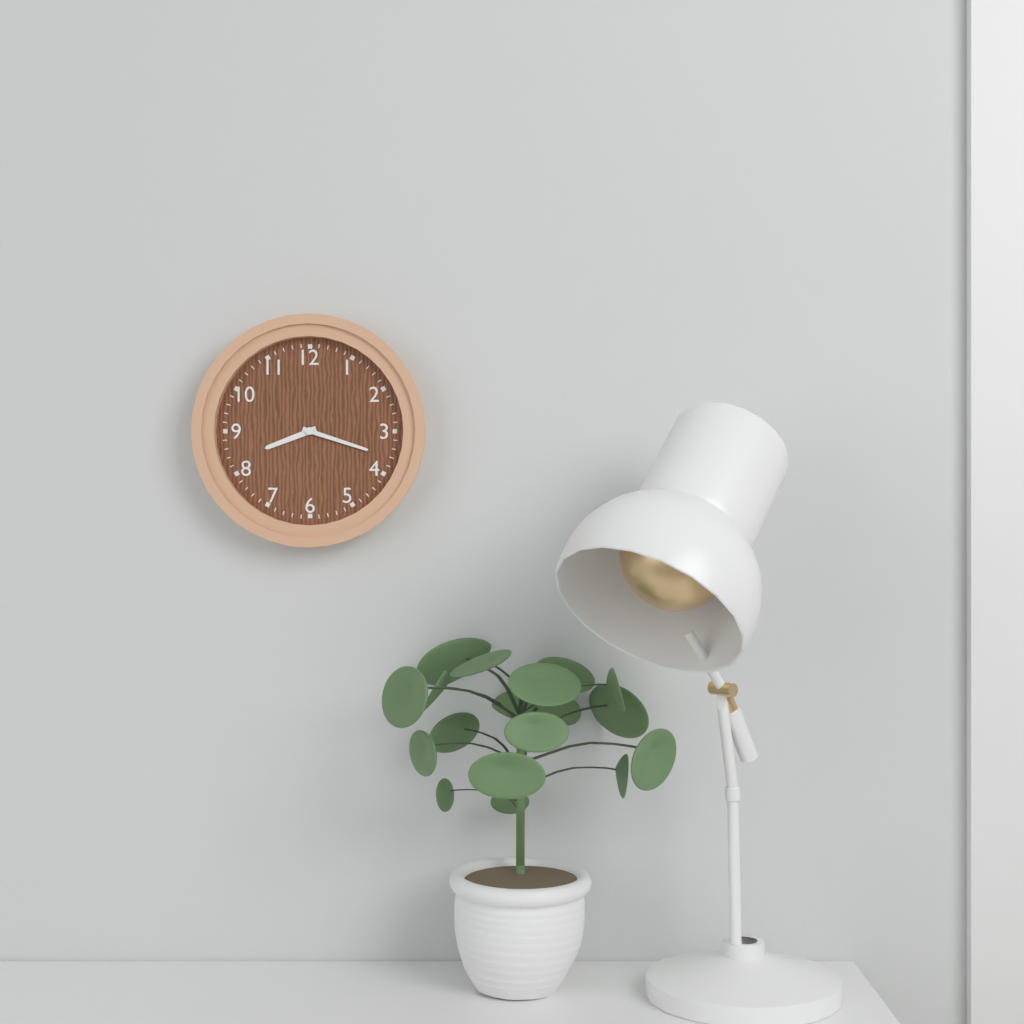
8,18
